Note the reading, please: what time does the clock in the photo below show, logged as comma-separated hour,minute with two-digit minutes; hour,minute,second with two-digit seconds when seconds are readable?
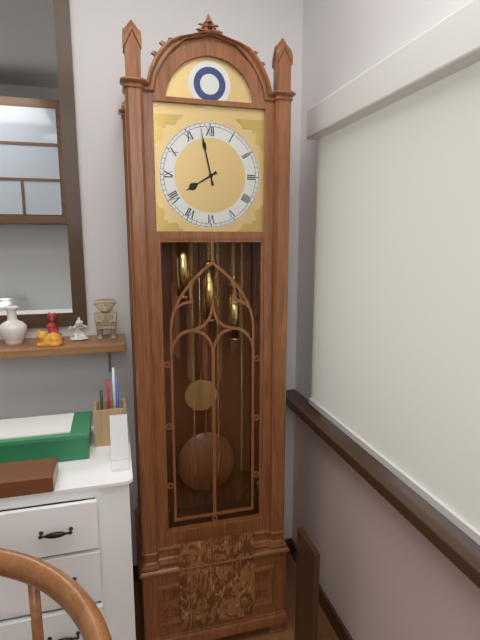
7,58
